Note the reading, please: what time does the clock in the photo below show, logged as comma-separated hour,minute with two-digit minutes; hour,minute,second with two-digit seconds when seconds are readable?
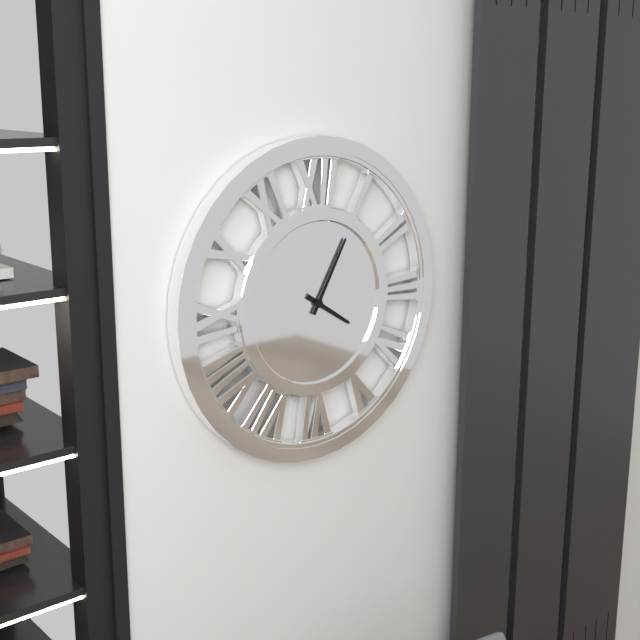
4,05
